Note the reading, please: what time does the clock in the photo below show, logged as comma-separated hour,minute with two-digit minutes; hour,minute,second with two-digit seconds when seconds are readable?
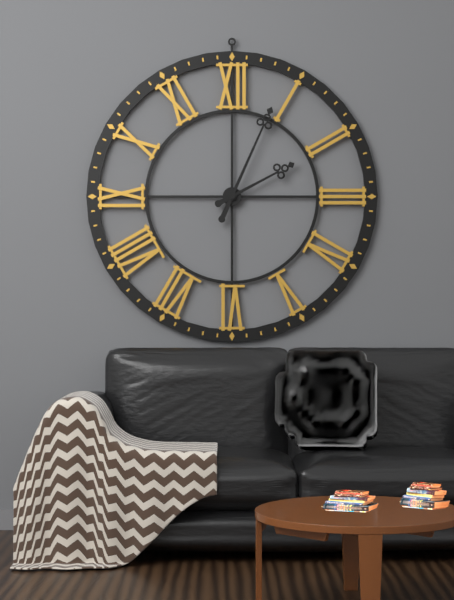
2,04
